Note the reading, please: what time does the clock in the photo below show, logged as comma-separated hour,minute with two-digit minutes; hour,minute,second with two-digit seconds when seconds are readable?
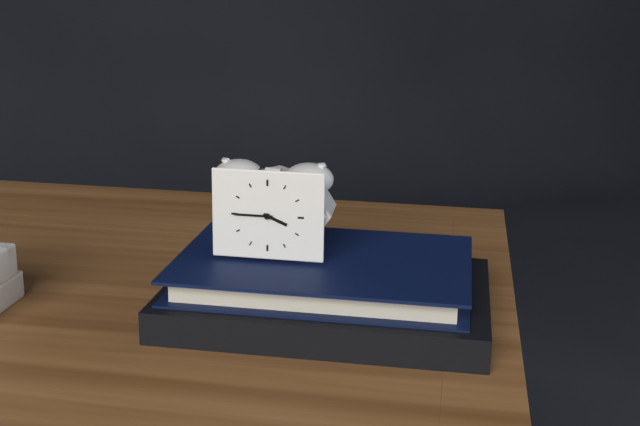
3,45
